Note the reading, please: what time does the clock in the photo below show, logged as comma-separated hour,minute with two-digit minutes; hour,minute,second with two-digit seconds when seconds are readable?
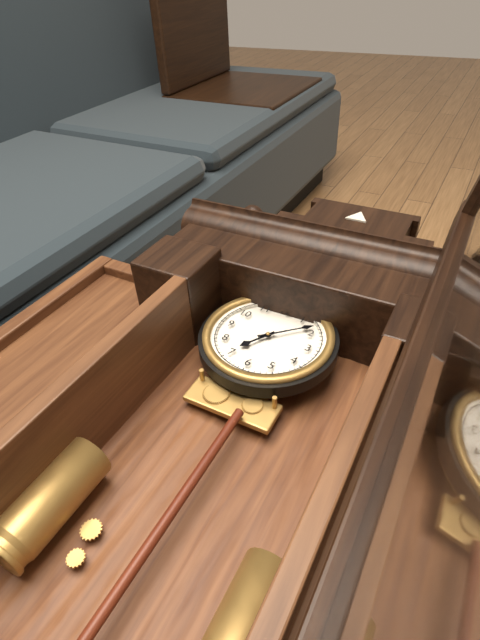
7,08
